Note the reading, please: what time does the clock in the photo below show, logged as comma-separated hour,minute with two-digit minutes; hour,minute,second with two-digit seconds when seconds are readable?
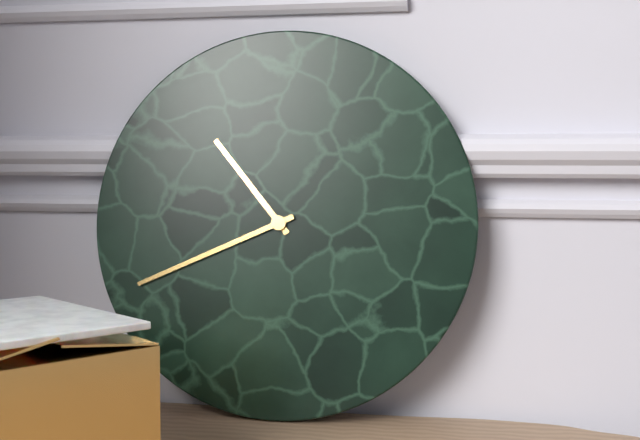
10,41
